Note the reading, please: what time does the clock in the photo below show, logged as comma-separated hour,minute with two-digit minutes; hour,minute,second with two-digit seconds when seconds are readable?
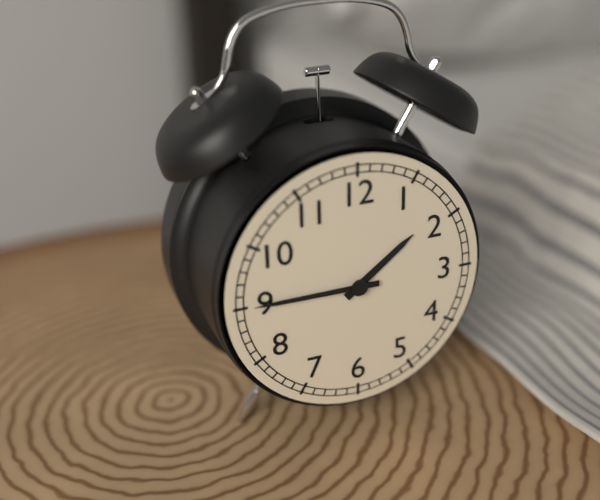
1,45
